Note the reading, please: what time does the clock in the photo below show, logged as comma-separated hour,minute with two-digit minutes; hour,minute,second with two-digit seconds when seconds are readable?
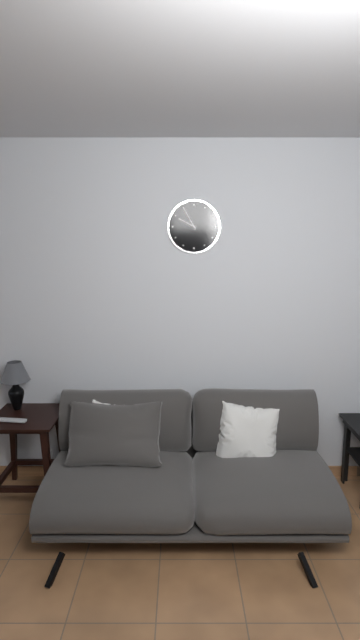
9,55
